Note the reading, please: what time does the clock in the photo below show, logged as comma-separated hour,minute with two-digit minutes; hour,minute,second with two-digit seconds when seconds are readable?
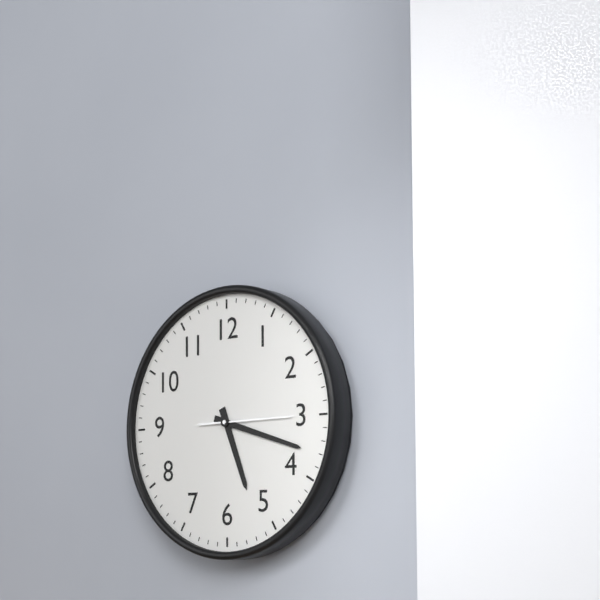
5,18,15
